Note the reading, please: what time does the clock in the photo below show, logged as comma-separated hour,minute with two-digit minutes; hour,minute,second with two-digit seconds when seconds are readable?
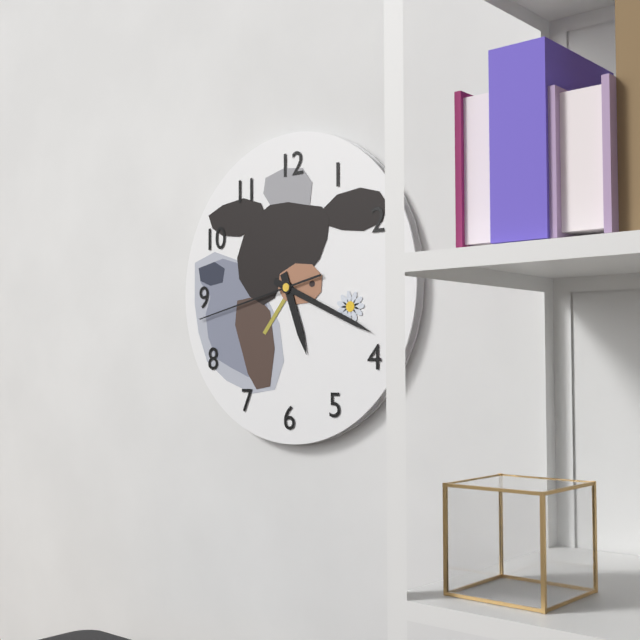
5,19,43
